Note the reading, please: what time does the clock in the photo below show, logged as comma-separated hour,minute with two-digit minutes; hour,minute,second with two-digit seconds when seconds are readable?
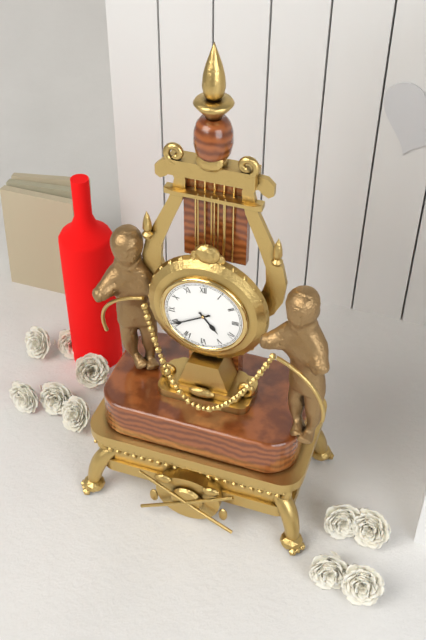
4,40
